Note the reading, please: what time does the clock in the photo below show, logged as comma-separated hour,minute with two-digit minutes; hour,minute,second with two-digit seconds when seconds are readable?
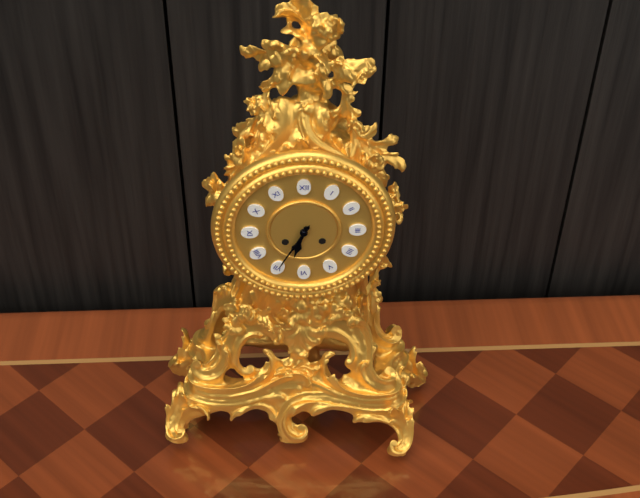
6,35
